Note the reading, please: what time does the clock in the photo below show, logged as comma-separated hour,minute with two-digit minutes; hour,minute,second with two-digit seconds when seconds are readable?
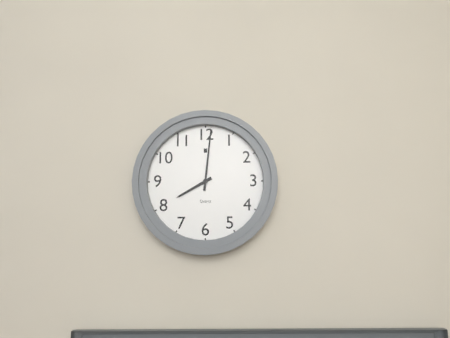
8,01
